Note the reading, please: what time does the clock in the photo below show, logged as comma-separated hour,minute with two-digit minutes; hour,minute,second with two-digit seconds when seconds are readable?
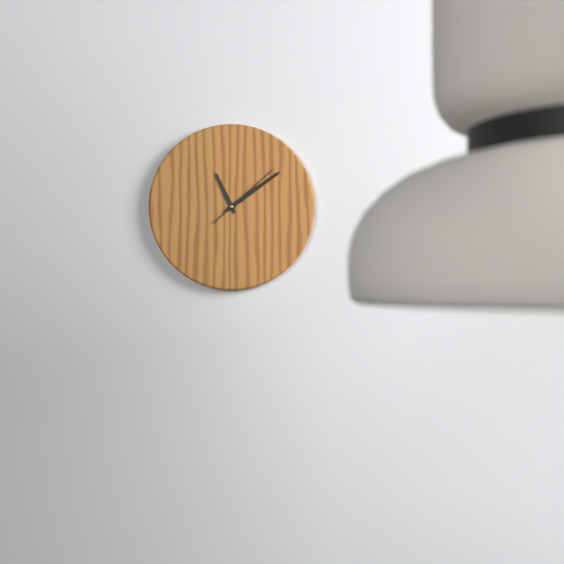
11,09,08
